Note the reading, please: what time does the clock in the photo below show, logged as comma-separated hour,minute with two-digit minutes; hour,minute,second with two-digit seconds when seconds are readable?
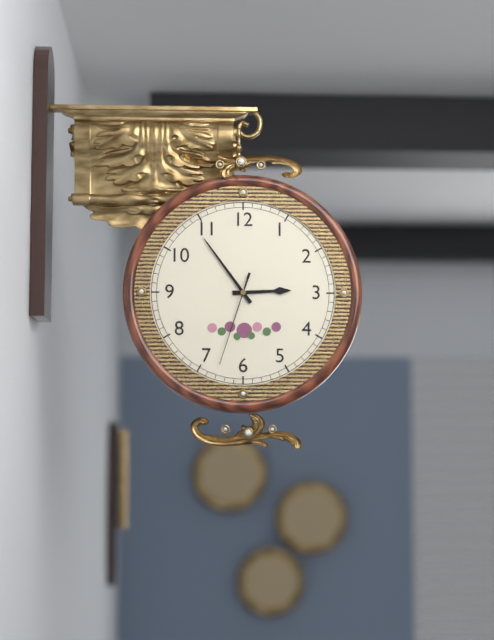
2,54,33
